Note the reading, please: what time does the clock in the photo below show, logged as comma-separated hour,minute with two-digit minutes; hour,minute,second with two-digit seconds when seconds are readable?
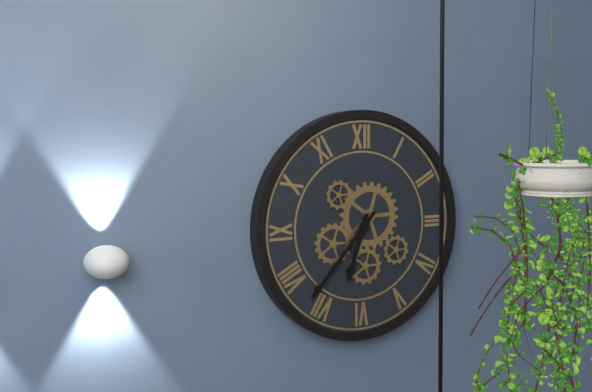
6,37
